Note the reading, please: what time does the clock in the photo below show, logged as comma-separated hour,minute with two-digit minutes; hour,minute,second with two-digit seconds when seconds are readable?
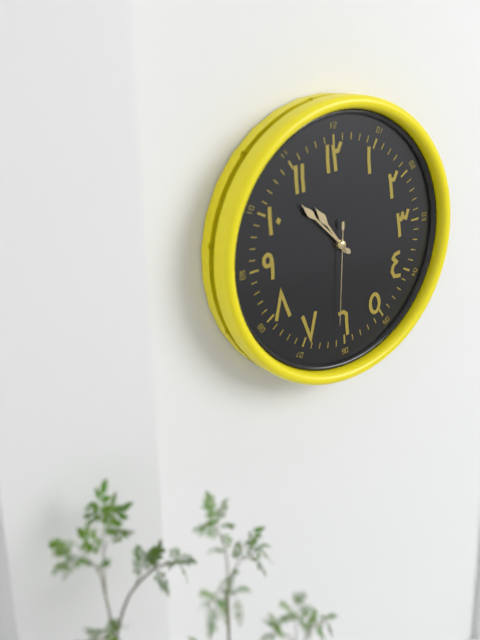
10,53,31
